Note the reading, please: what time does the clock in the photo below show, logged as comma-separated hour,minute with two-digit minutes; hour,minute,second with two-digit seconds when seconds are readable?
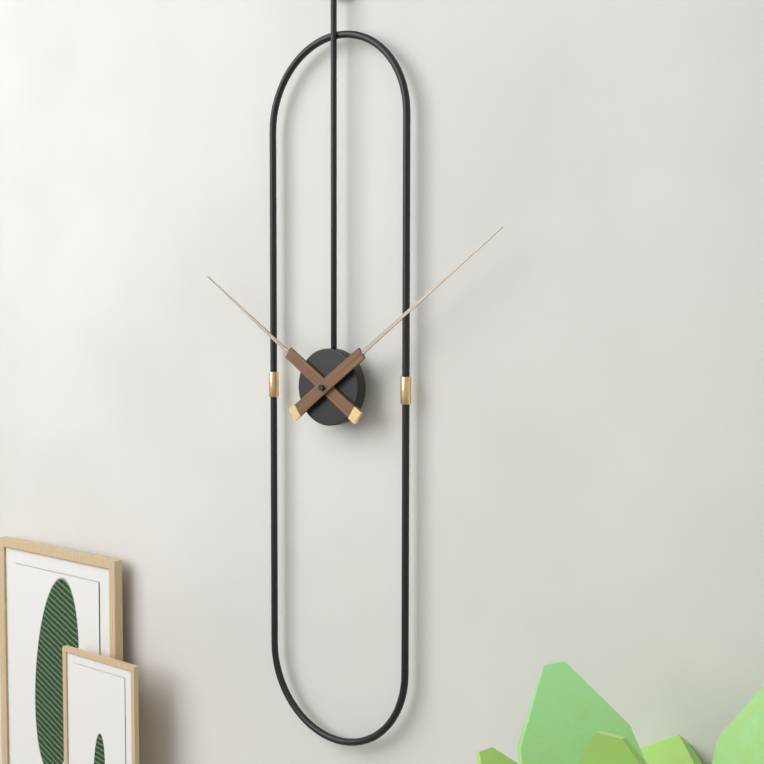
10,09
